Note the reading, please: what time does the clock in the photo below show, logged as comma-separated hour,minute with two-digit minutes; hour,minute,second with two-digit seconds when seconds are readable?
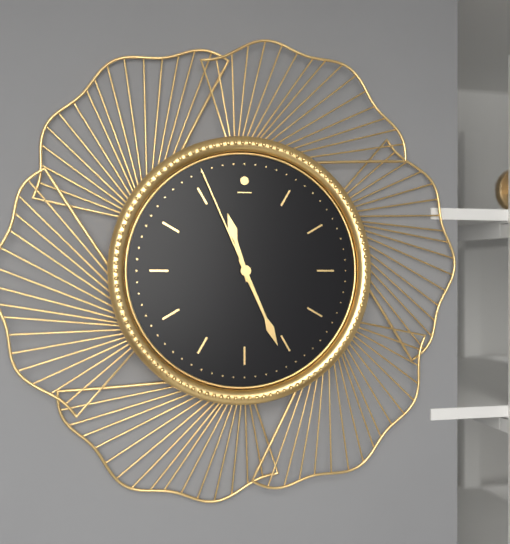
11,26,56
